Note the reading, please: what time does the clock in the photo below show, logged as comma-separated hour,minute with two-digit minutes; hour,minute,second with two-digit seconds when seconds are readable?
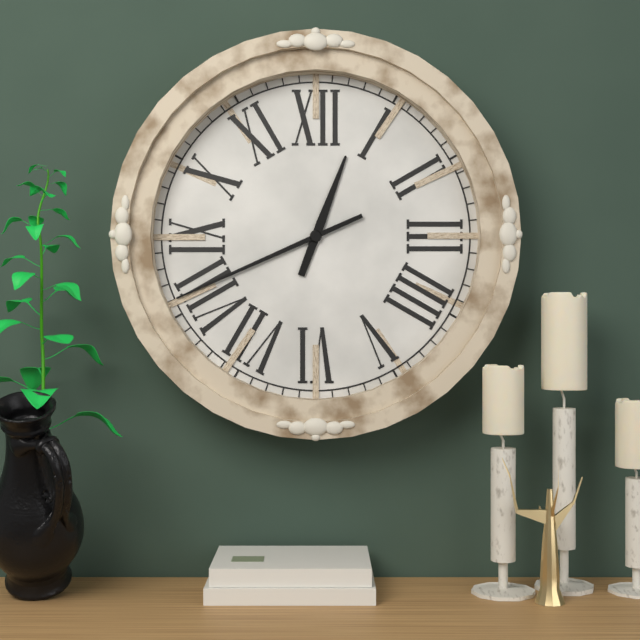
12,41
